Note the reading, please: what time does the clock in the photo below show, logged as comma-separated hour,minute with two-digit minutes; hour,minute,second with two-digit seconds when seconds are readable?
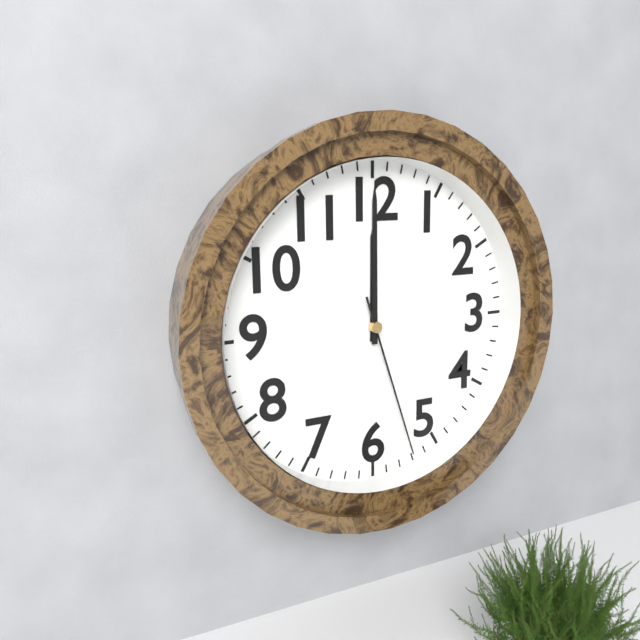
12,00,27
